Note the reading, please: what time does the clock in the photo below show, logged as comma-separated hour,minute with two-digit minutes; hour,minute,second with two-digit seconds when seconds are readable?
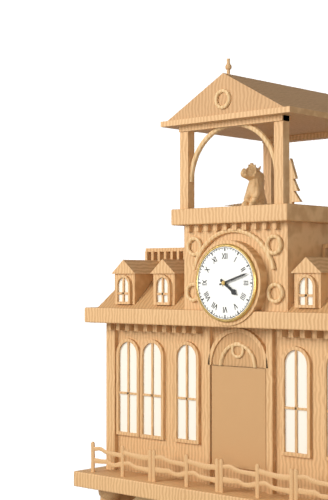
4,12
